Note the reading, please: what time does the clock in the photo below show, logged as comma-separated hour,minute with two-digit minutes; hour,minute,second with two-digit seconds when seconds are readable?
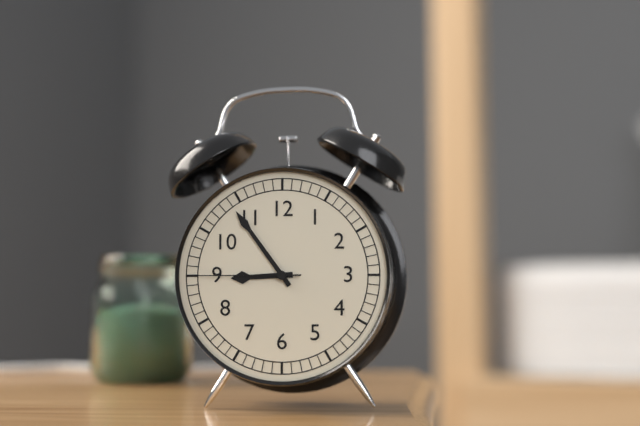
8,54,45
